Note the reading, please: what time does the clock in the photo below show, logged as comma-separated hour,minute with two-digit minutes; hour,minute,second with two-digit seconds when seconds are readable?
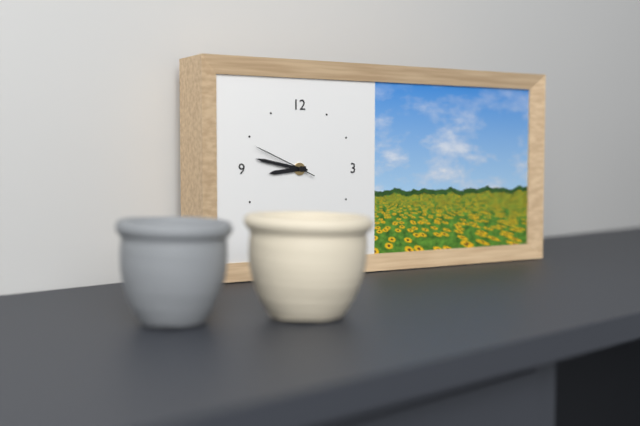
8,47,49
